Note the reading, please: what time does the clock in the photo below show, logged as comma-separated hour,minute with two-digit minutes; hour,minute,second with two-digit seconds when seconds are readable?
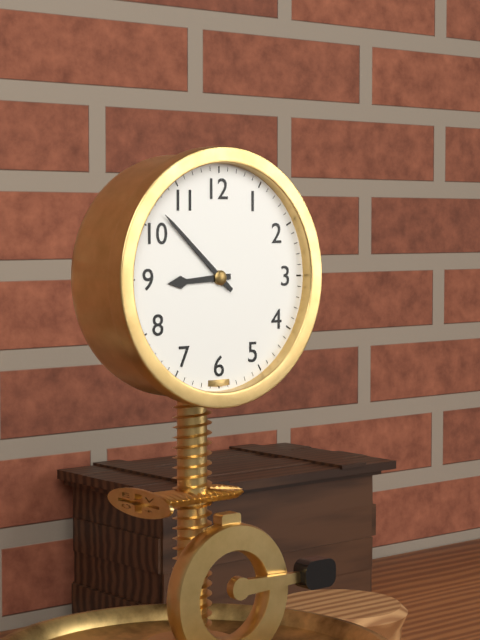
8,52
